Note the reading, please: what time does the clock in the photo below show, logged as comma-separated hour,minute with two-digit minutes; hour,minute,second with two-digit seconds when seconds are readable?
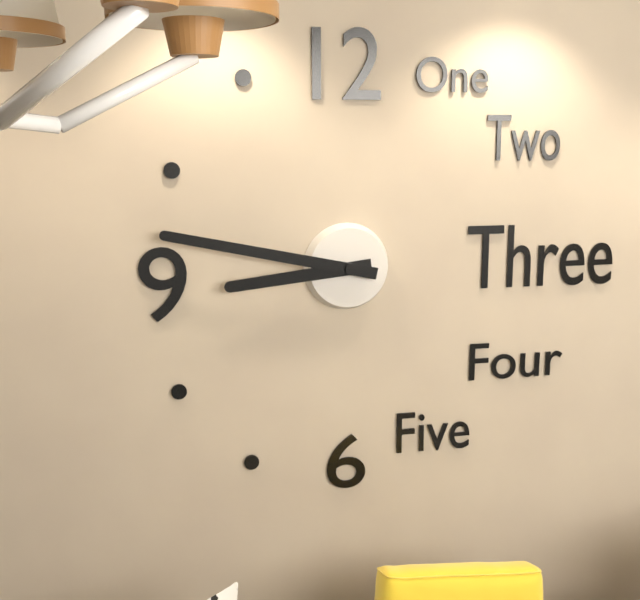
8,47
